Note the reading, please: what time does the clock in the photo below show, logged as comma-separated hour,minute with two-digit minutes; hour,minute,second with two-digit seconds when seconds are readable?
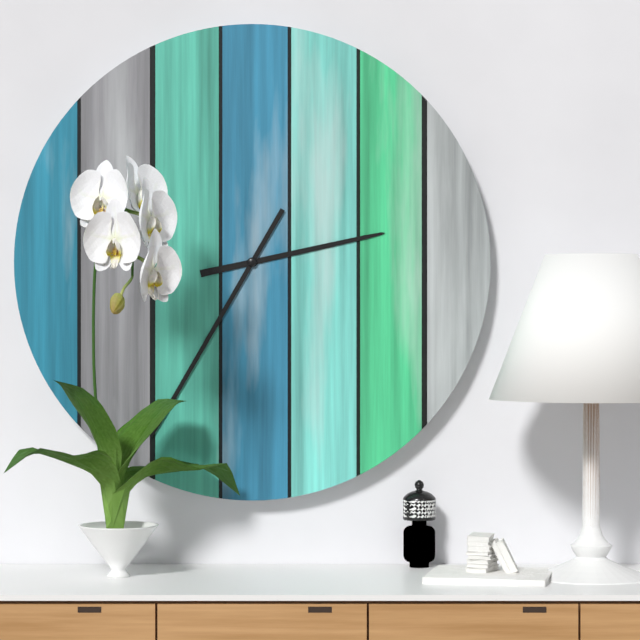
2,35
